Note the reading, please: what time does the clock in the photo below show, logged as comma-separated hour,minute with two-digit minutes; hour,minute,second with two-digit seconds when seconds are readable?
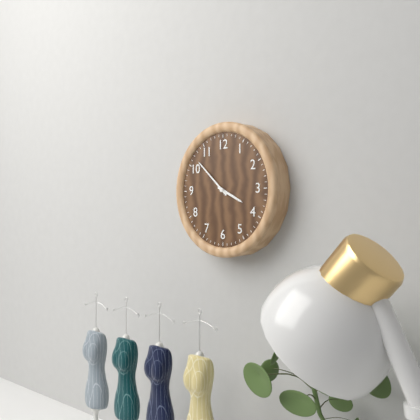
3,52
